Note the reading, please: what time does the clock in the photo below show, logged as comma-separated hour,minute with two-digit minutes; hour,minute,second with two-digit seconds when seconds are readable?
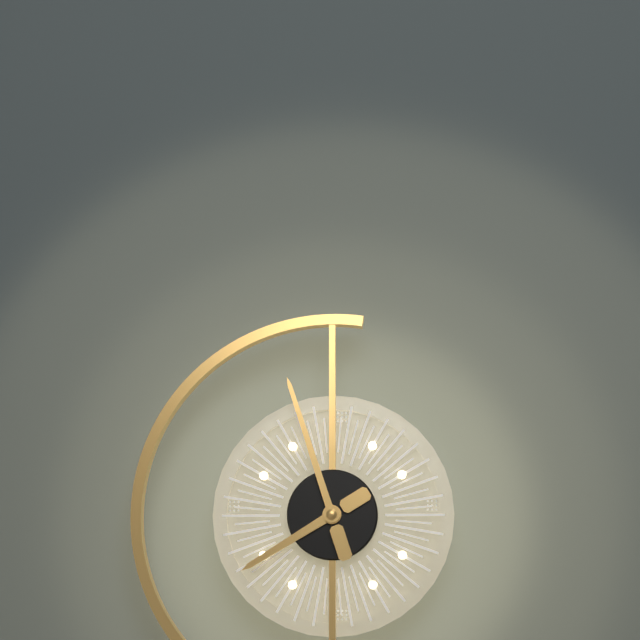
7,57
